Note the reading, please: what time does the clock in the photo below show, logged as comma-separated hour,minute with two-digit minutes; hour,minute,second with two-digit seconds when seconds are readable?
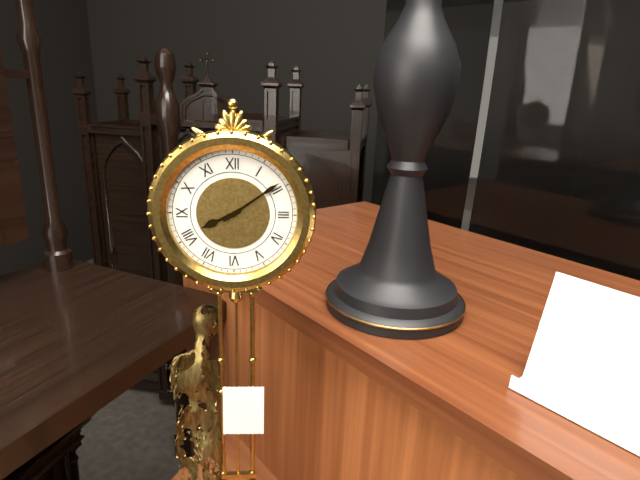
8,09
